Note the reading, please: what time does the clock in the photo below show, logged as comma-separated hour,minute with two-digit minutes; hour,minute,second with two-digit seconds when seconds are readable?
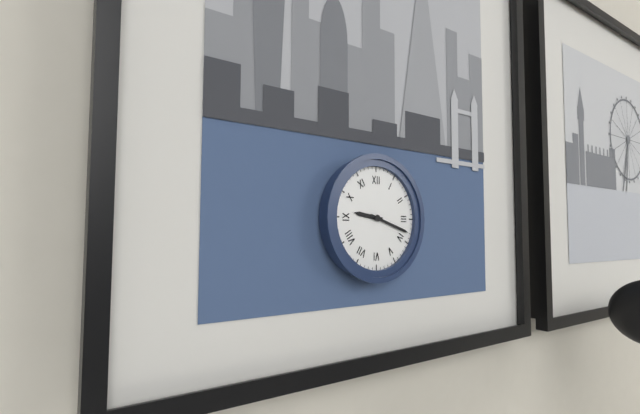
9,18
